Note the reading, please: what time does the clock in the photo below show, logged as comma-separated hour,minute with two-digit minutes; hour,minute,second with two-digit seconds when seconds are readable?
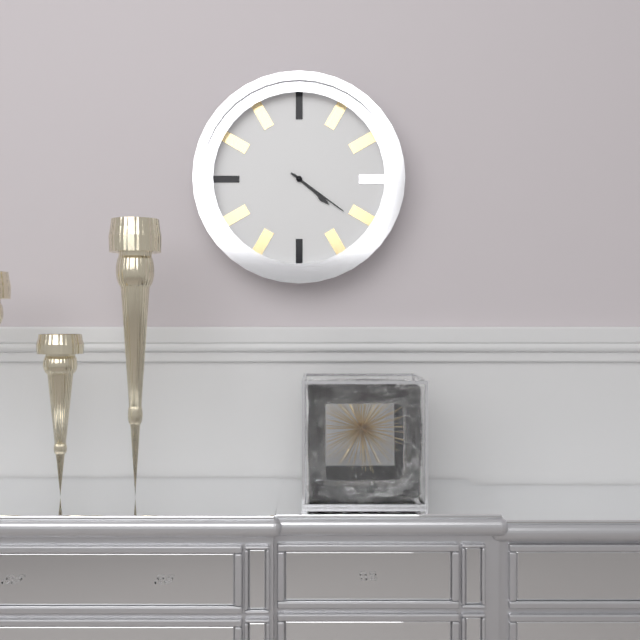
4,21
